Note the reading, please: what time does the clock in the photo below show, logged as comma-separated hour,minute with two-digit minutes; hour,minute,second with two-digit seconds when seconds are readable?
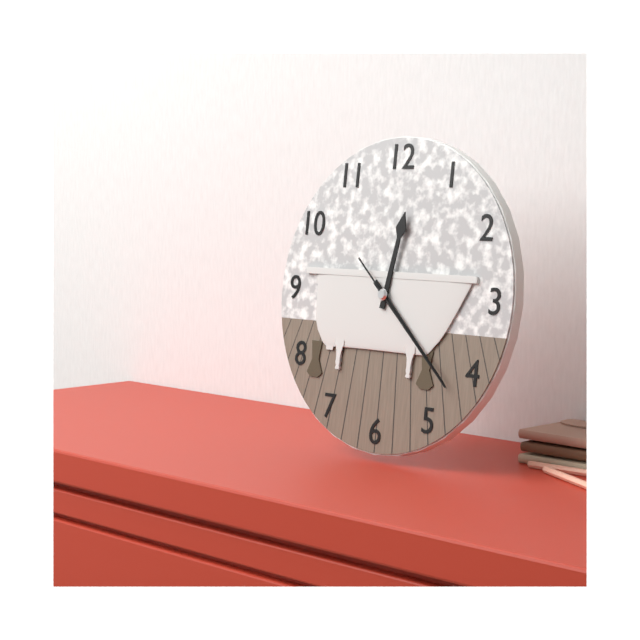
12,22,22
